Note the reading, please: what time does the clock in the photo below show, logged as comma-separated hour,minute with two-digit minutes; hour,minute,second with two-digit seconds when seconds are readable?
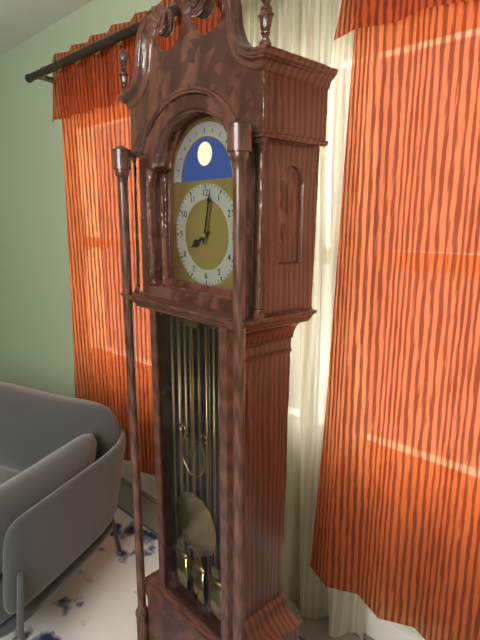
8,02
